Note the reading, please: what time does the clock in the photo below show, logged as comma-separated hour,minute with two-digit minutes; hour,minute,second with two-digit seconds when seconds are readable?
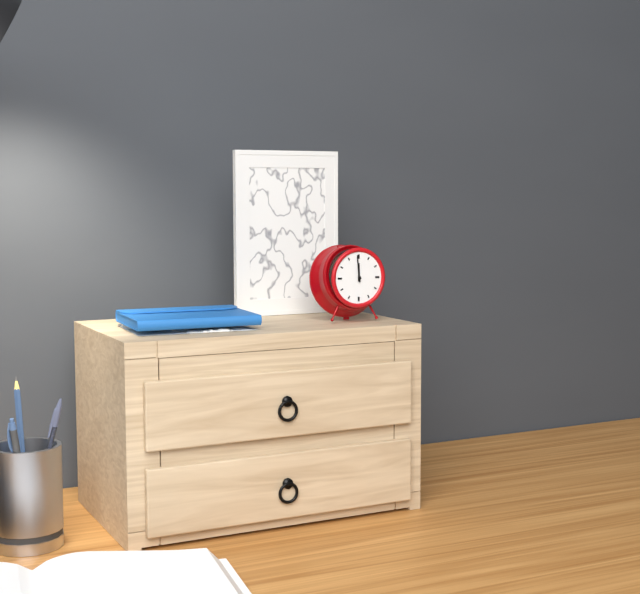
11,59
